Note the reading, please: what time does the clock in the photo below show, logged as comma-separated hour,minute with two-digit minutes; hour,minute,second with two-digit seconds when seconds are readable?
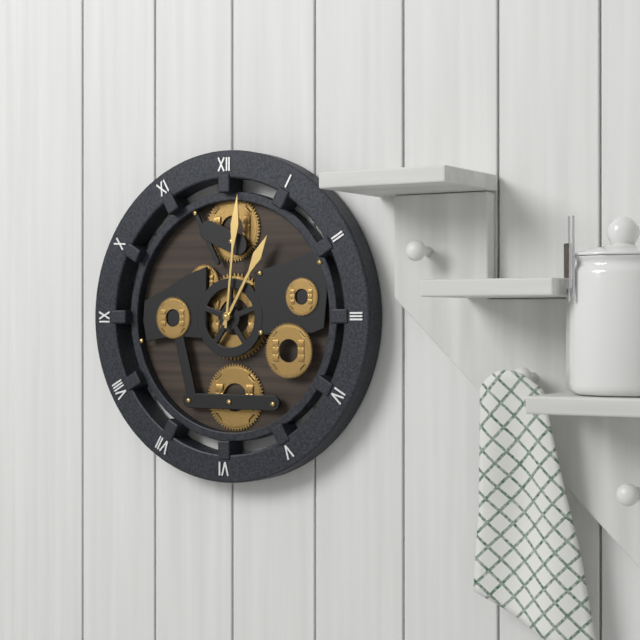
1,01
